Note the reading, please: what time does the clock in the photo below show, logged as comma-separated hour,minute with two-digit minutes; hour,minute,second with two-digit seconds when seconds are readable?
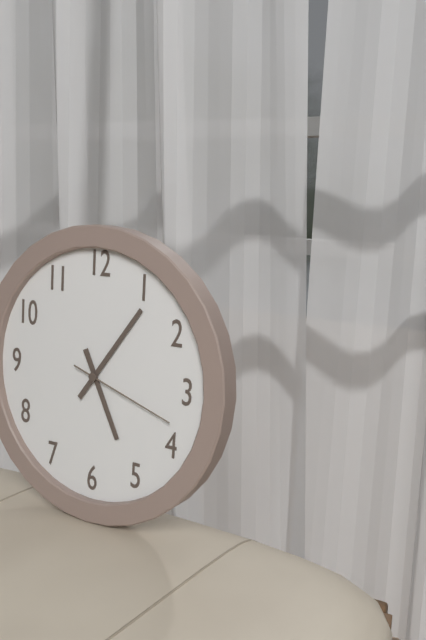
5,06,18
